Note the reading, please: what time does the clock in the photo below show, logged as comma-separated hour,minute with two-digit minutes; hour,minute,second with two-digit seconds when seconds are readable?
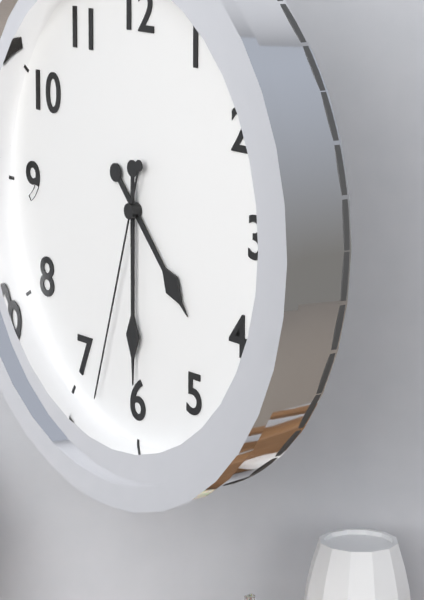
4,30,33
